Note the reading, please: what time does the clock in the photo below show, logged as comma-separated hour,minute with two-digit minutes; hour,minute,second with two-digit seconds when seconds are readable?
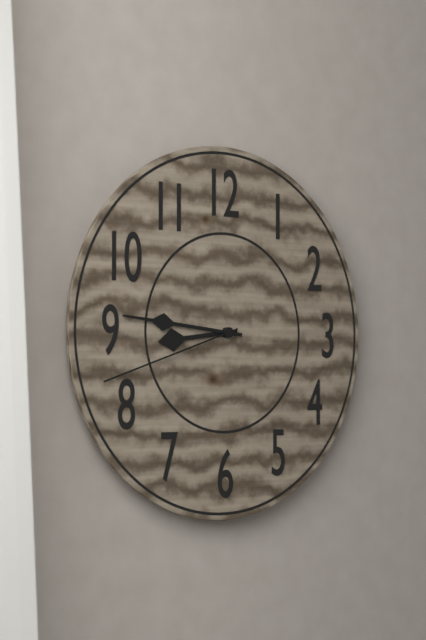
8,46,42
